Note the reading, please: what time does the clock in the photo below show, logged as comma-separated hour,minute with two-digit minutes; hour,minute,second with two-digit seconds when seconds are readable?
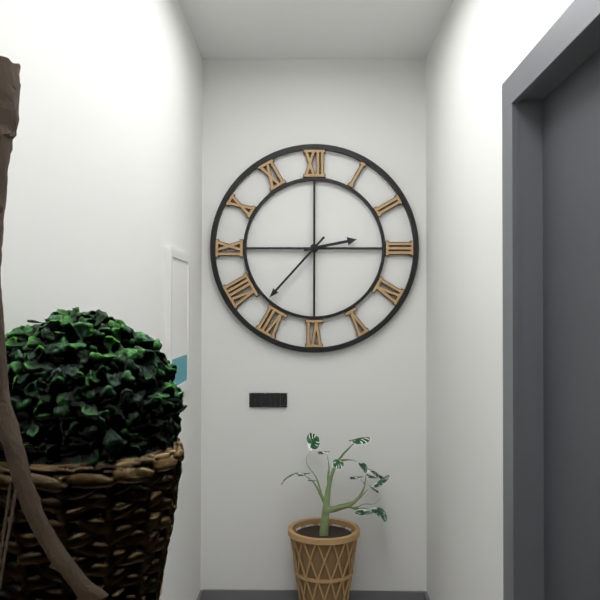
2,37
